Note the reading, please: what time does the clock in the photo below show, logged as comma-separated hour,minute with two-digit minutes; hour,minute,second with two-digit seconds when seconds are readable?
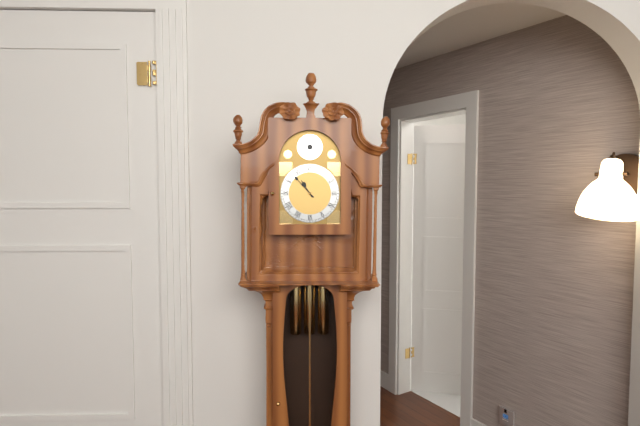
10,53
